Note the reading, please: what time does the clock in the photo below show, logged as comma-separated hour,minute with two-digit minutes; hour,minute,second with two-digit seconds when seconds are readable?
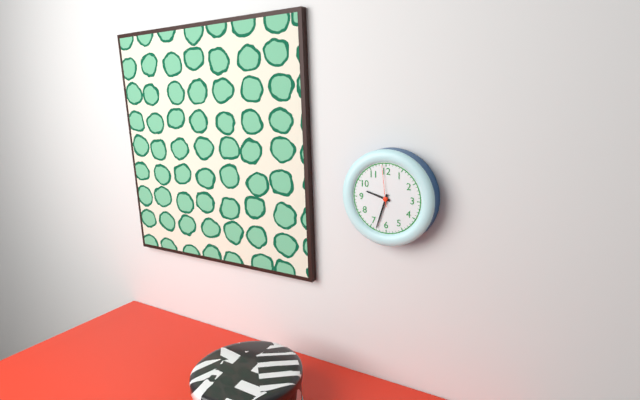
9,33
